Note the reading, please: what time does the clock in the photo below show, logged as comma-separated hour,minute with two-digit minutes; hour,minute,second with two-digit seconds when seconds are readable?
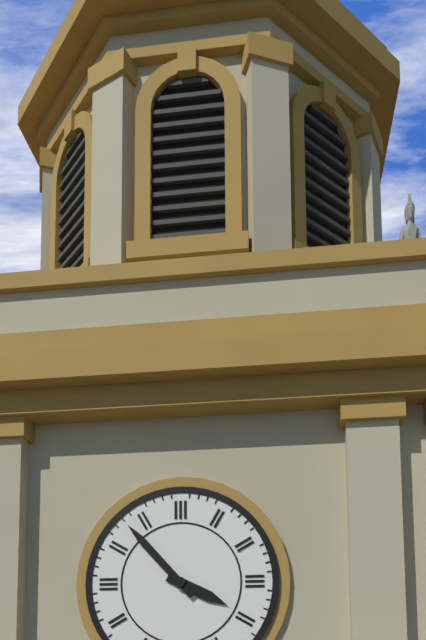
3,53
